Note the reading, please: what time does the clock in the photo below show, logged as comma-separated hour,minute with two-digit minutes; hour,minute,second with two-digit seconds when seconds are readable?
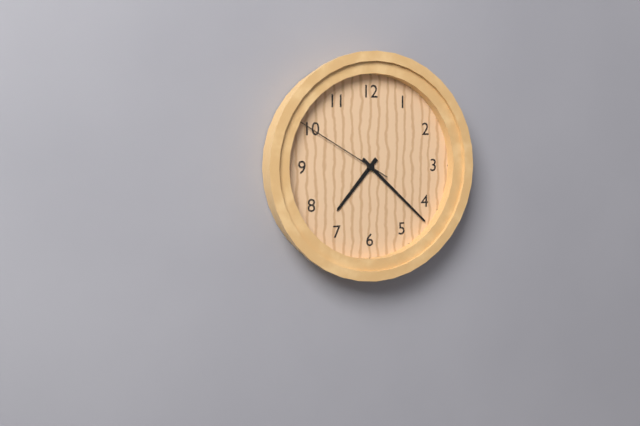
7,22,50
